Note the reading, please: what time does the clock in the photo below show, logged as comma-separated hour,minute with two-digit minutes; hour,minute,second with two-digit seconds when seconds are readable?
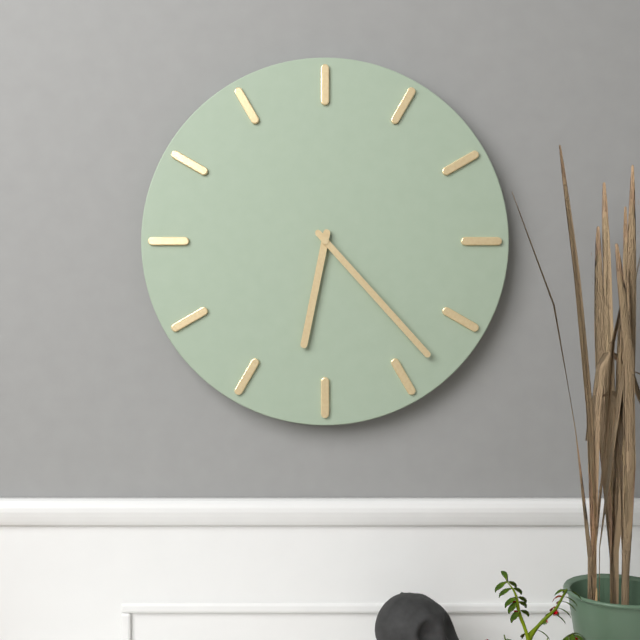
6,23
